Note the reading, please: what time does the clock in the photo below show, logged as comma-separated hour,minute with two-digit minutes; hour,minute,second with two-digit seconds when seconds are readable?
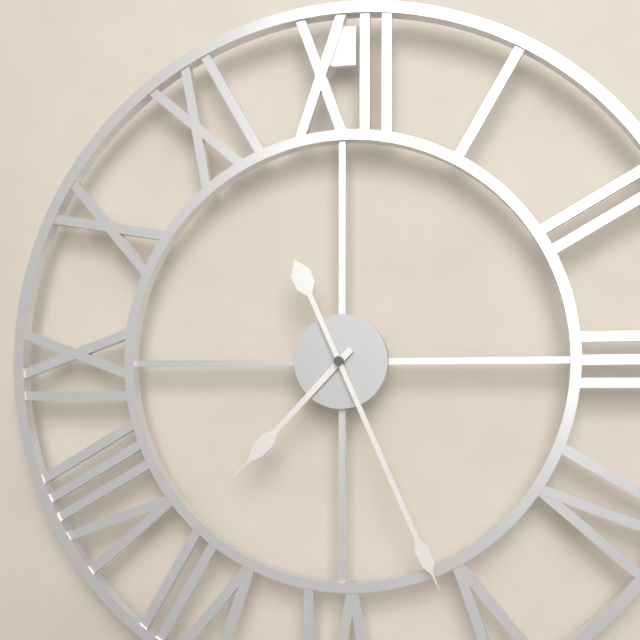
7,26
